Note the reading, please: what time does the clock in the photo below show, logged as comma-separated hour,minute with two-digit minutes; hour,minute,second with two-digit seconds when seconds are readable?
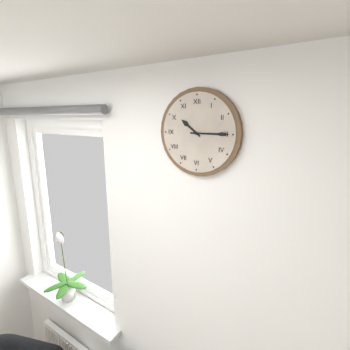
10,15
